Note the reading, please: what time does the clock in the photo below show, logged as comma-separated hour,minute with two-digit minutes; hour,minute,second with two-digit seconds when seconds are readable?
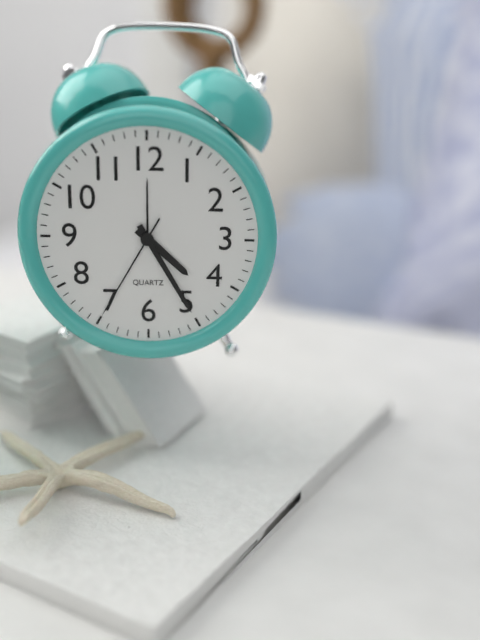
4,25,35
